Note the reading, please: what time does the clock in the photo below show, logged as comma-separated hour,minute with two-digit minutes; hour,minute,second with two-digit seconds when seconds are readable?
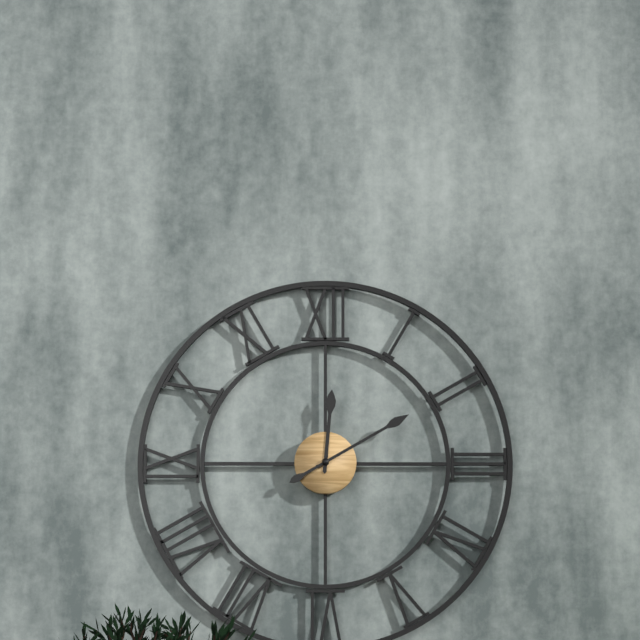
12,10
